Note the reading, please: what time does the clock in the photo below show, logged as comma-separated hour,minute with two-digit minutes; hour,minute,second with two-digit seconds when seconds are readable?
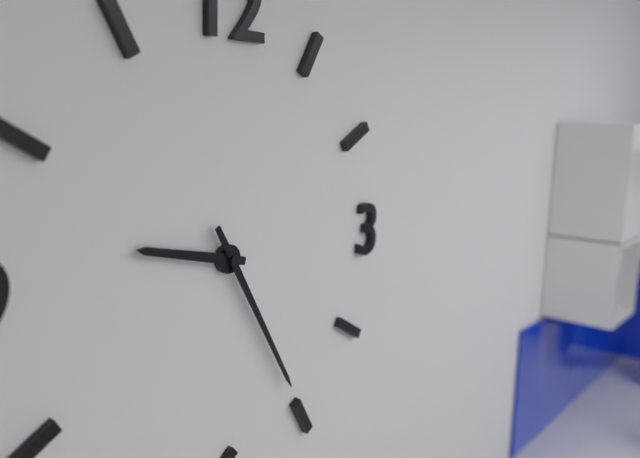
9,25
